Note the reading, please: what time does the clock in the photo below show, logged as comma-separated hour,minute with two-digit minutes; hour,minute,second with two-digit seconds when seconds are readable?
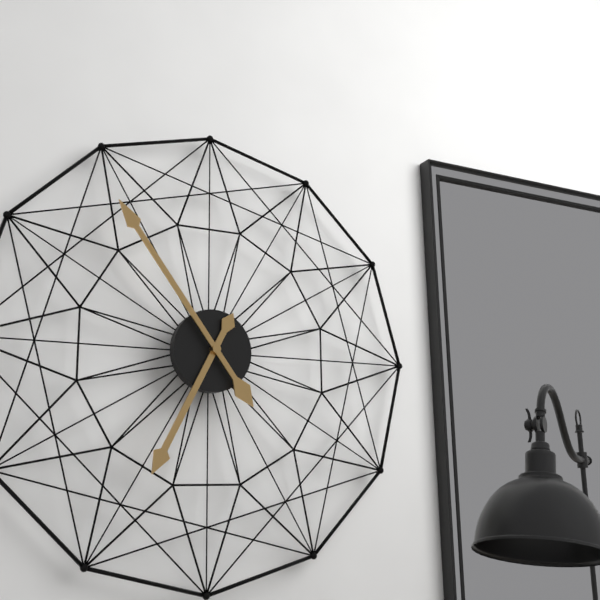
6,54
